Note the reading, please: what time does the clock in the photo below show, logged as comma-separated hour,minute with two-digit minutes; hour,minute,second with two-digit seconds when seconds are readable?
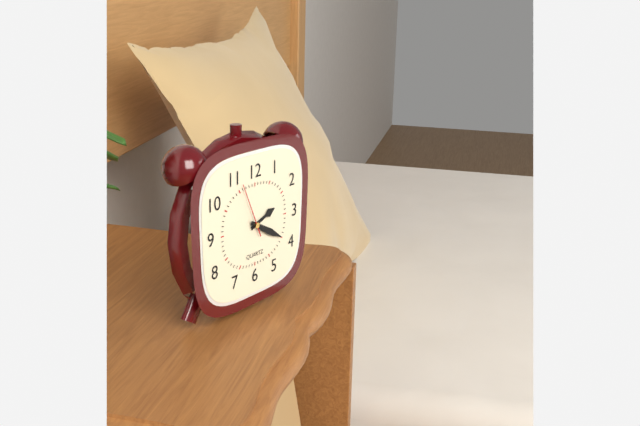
2,20,56
